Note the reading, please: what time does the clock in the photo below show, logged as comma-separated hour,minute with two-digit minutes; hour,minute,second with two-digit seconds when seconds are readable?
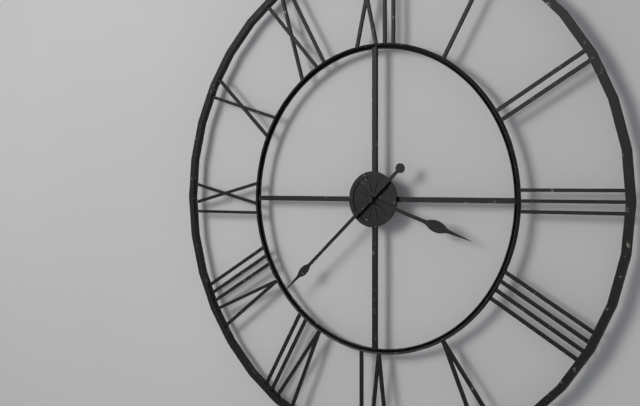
3,38
